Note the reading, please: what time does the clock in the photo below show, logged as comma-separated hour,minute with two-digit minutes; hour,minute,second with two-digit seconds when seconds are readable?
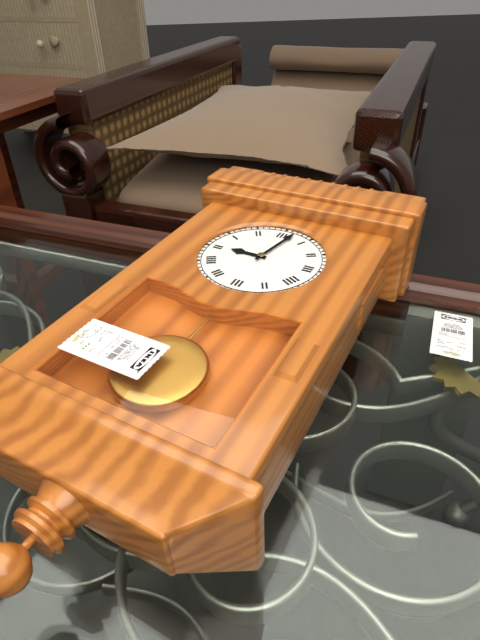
9,02
